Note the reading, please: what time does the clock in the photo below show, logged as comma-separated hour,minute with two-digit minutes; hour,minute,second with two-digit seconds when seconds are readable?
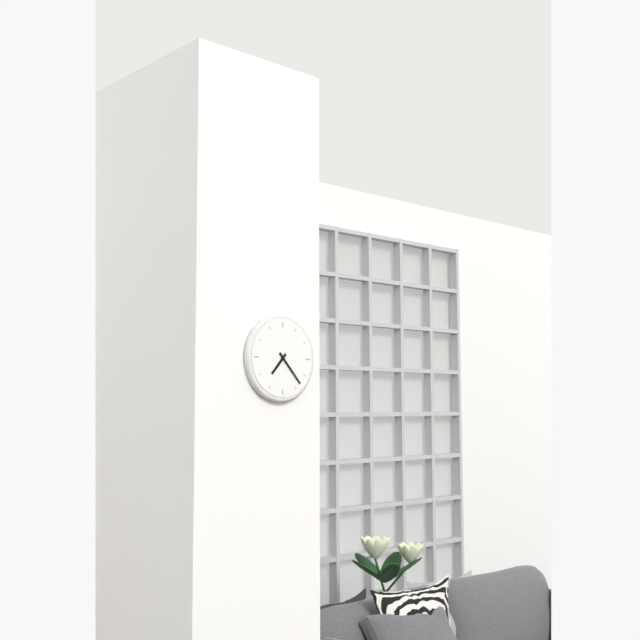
7,23
